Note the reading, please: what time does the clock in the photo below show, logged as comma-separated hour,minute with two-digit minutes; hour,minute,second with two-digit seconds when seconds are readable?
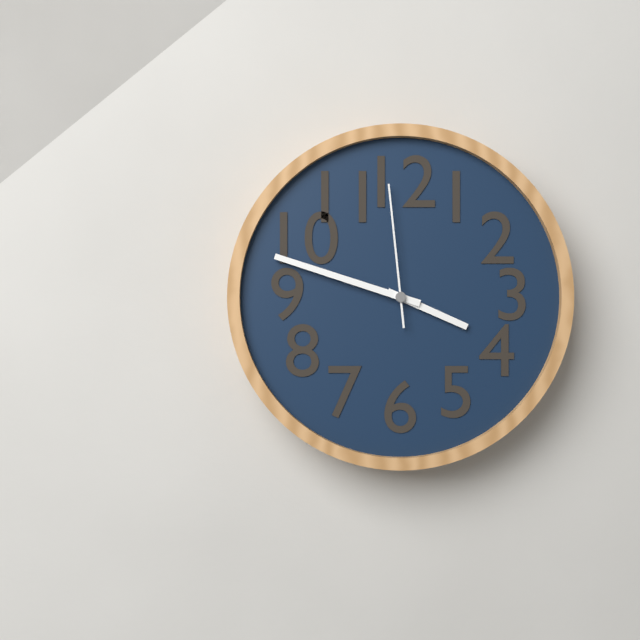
3,48,59
